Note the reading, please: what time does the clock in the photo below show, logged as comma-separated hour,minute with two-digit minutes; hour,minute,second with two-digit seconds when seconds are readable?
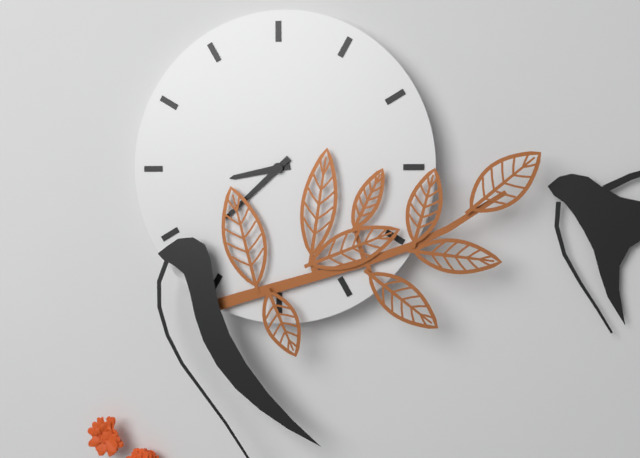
8,38
